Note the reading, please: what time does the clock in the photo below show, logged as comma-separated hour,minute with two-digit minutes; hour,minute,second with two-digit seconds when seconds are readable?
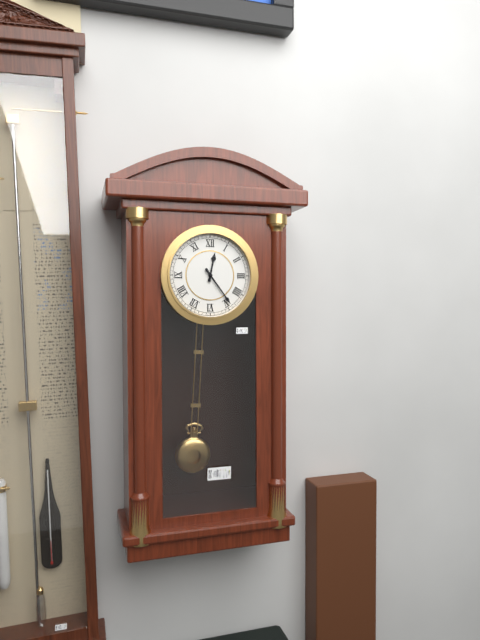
12,24
